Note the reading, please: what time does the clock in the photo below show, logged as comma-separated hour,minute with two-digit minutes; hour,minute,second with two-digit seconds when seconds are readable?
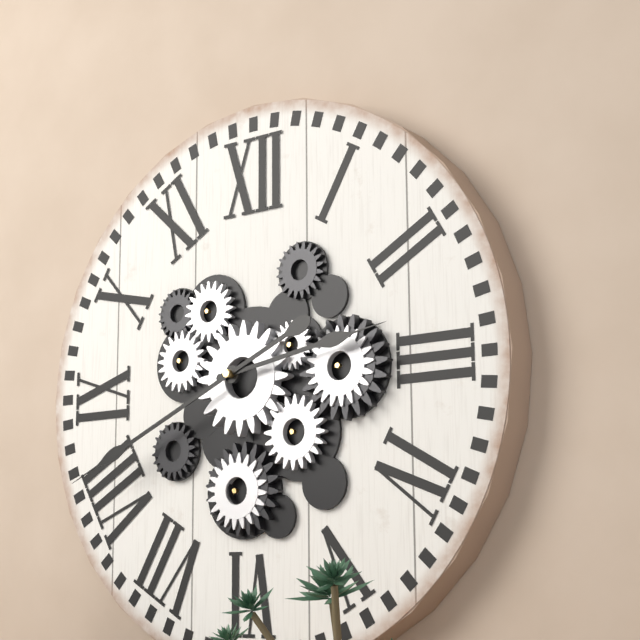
2,41
